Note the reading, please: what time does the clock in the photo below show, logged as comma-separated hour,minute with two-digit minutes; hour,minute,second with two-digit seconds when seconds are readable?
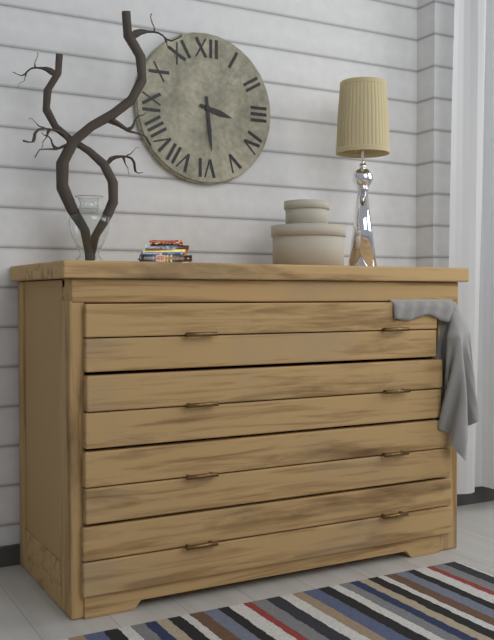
3,29
